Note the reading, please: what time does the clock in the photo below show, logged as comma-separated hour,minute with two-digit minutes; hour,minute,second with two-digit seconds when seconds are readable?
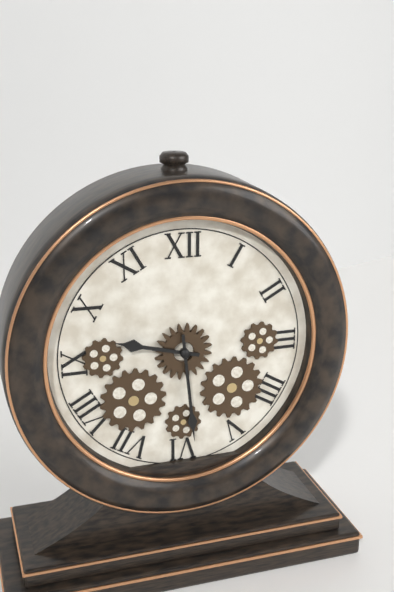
9,29
